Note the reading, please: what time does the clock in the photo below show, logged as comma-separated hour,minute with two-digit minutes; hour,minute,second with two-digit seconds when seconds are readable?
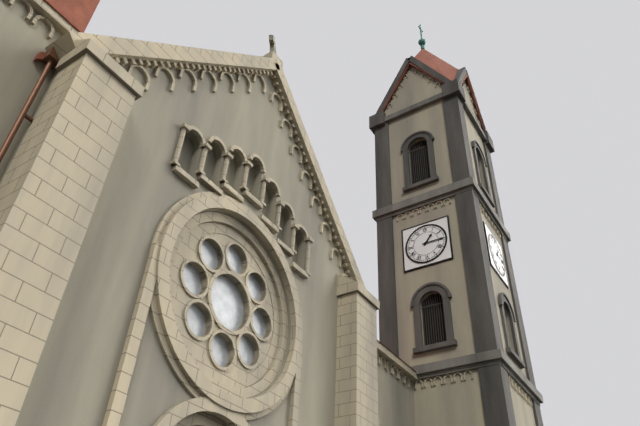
1,15
